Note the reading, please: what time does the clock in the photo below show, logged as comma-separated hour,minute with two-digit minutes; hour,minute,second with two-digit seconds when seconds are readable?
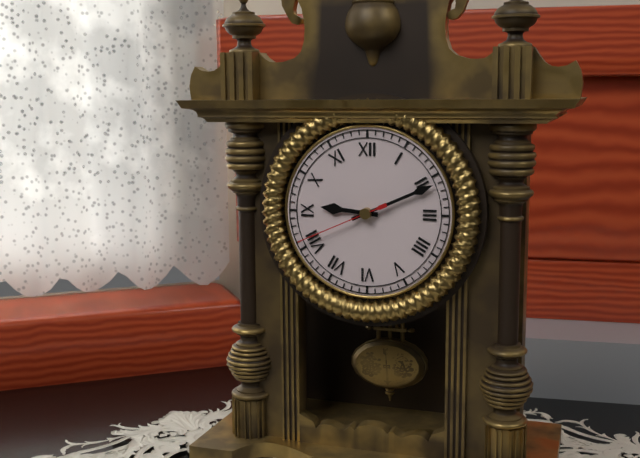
9,11,41
